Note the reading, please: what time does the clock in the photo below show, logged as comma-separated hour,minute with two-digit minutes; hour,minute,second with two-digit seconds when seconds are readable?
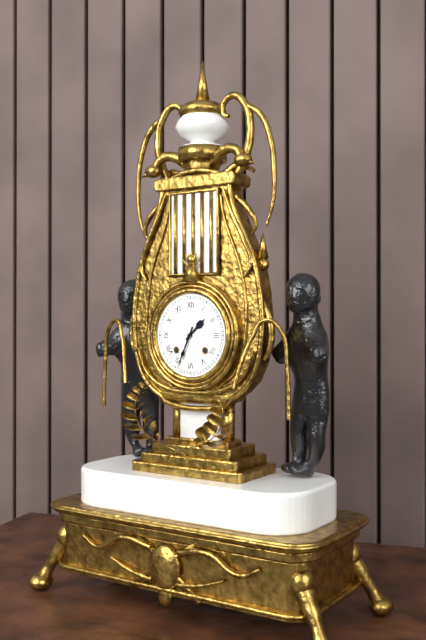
1,34
